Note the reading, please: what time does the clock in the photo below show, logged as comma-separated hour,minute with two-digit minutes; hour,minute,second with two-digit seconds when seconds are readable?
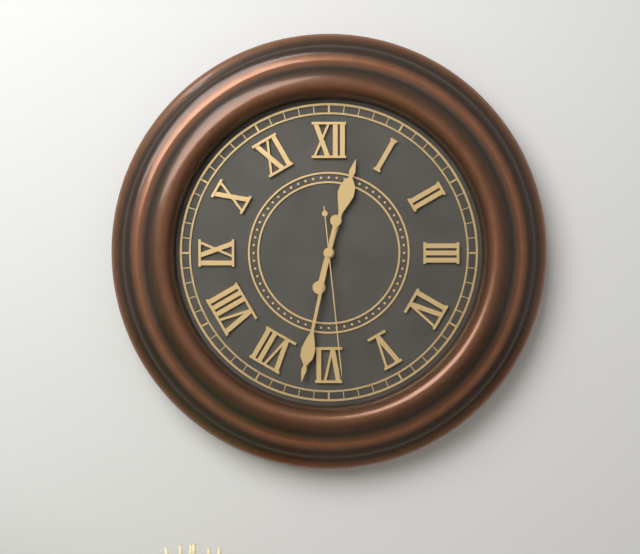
12,32,29
